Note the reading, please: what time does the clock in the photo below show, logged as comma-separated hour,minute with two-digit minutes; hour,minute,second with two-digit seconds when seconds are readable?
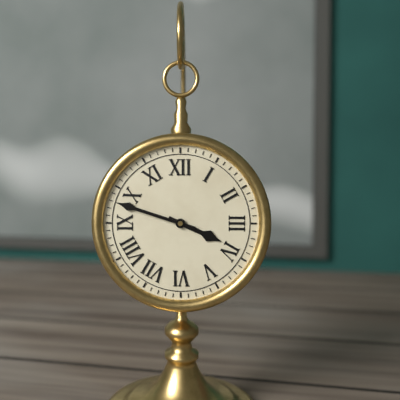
3,48
